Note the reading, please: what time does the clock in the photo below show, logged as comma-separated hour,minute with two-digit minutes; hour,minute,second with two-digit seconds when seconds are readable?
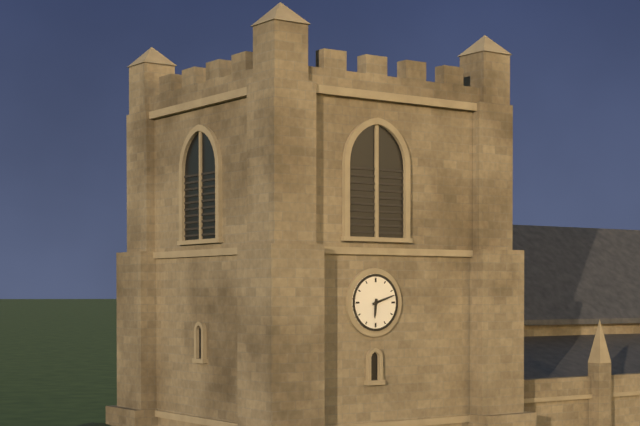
6,12
